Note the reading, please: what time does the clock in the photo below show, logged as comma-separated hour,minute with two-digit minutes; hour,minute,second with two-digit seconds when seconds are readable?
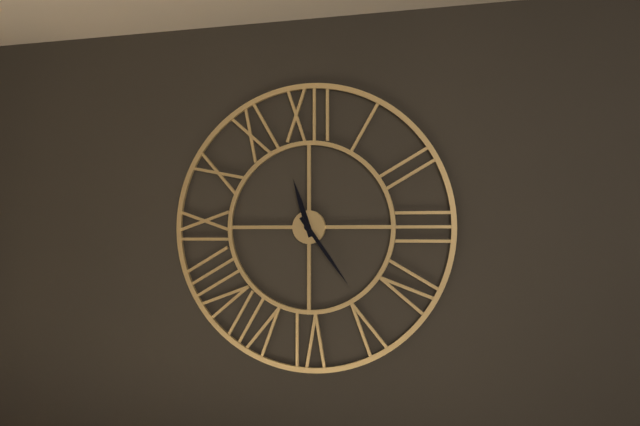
11,24
